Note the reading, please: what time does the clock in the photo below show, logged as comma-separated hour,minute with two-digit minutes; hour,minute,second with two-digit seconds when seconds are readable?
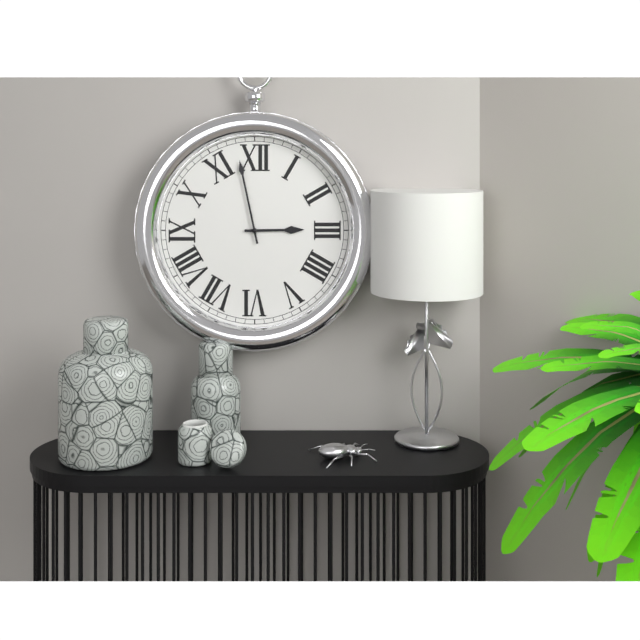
2,58
